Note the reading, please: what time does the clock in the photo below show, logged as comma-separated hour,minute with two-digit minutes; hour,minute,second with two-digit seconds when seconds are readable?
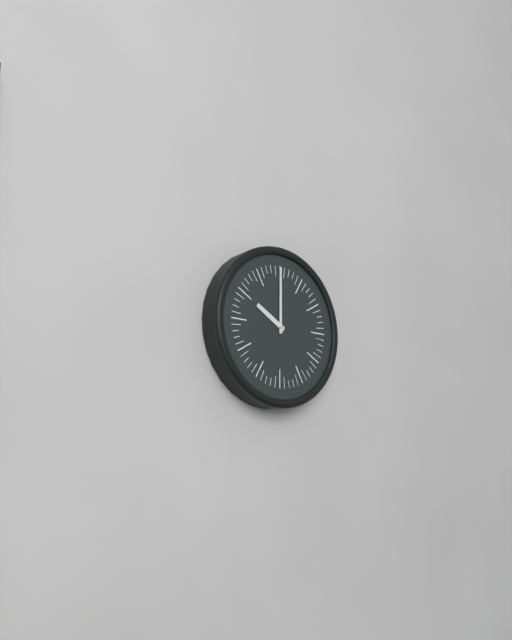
10,00
